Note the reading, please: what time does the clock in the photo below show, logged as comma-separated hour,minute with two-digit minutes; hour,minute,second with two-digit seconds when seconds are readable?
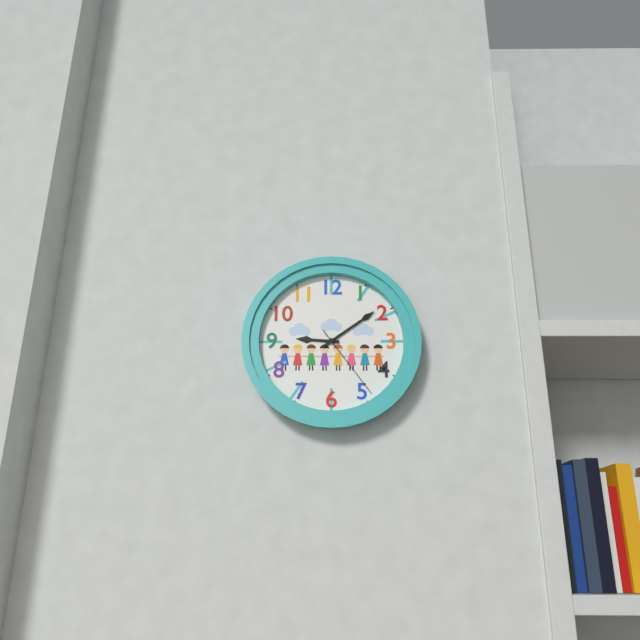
9,09,24
